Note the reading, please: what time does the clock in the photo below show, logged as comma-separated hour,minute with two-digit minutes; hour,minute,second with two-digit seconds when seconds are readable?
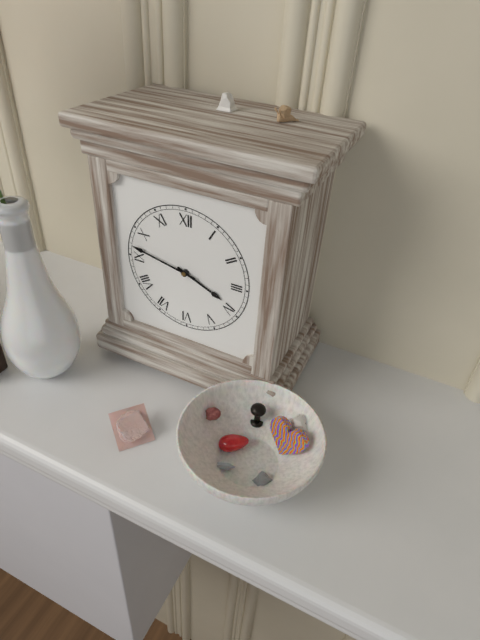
3,47
